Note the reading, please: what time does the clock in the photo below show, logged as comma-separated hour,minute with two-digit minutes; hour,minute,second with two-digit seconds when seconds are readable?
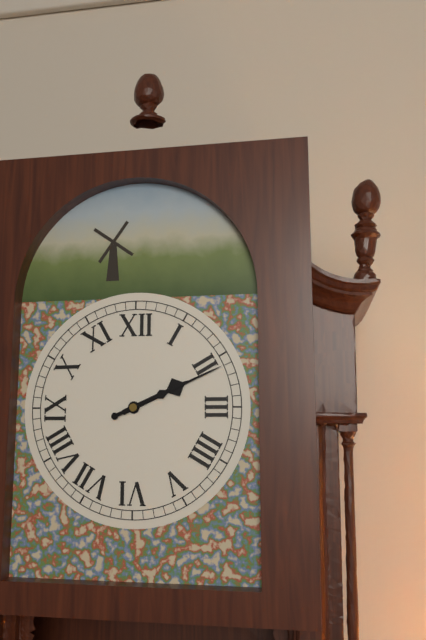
2,11
